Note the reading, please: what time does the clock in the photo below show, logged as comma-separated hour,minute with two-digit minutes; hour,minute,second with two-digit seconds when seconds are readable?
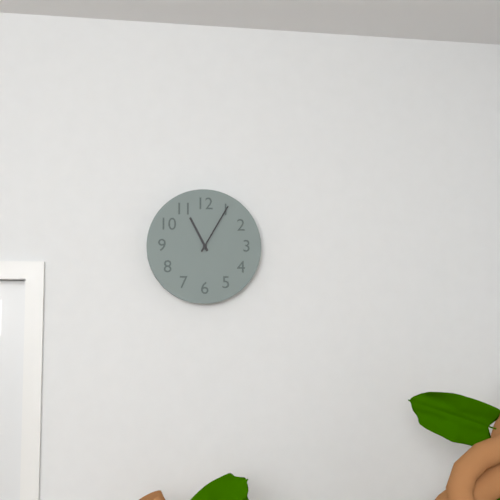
11,05
